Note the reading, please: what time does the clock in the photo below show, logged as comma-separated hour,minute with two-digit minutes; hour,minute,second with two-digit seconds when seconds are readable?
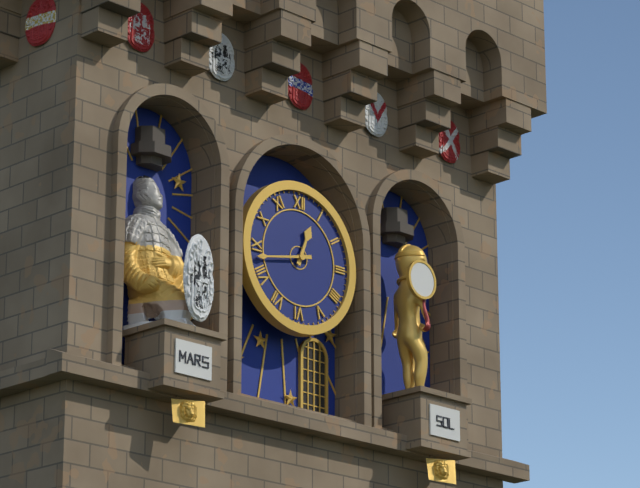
12,43
